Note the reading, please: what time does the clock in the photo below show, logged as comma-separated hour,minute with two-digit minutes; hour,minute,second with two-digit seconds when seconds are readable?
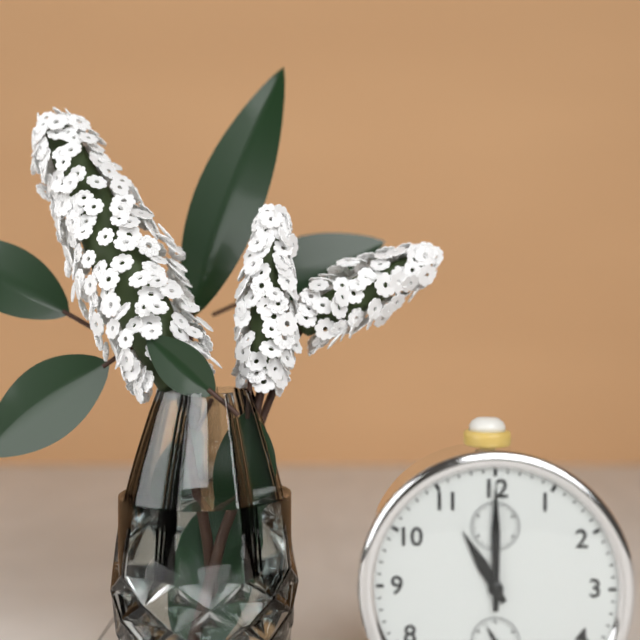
11,00
